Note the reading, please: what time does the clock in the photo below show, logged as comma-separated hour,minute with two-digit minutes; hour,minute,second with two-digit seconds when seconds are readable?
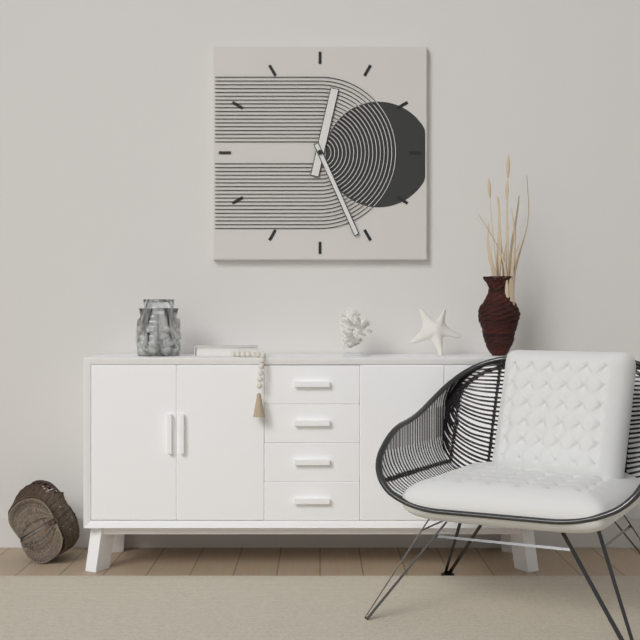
12,26
